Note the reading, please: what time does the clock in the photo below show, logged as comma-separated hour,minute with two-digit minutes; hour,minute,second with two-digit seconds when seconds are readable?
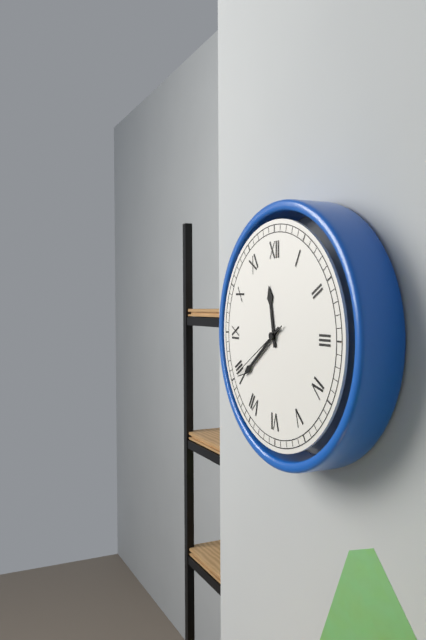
11,39,40
